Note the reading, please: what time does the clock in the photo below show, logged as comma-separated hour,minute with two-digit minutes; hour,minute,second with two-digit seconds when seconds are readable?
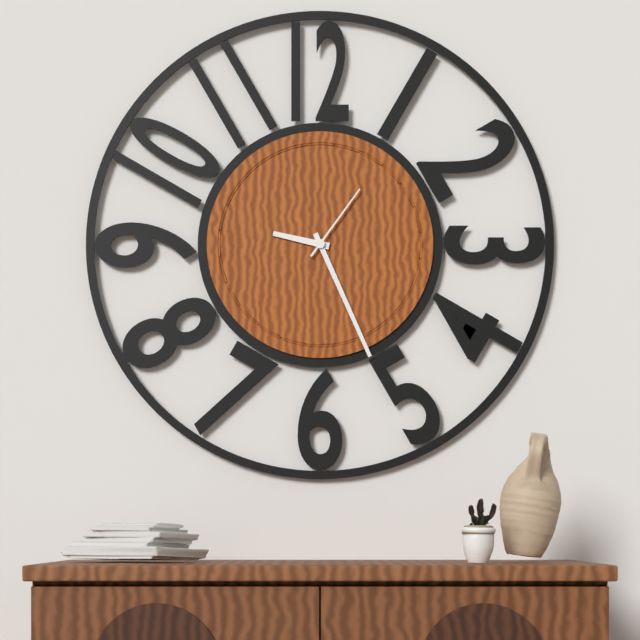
9,26,06
